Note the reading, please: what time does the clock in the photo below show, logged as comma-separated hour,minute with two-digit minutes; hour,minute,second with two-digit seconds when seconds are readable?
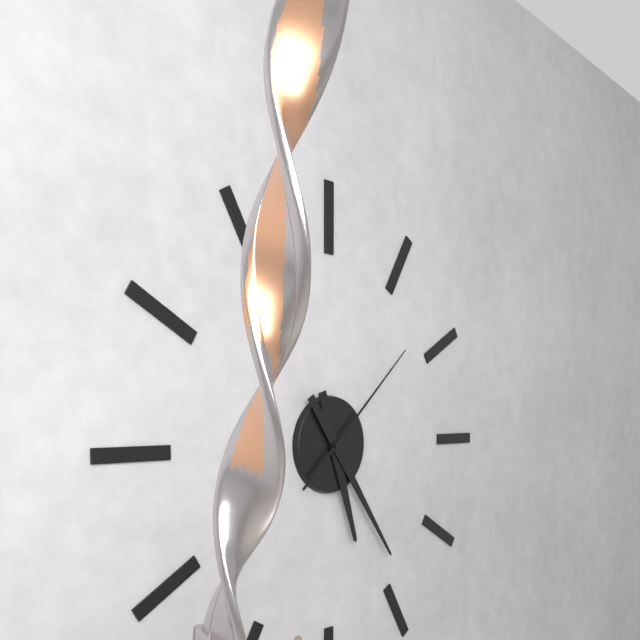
5,24,08
